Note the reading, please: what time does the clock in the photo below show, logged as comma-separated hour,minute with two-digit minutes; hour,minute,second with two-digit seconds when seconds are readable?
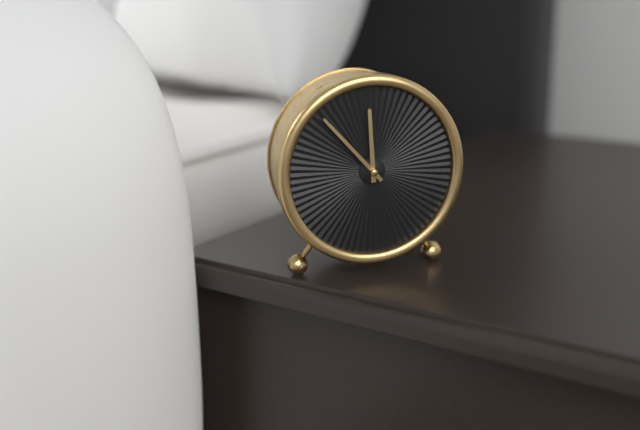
11,53
